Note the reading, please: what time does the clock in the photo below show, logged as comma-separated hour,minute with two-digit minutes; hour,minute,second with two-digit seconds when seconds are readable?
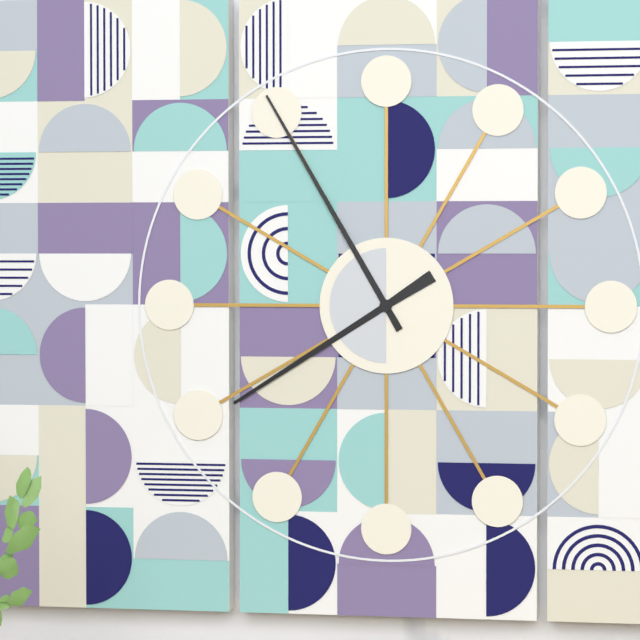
7,55
